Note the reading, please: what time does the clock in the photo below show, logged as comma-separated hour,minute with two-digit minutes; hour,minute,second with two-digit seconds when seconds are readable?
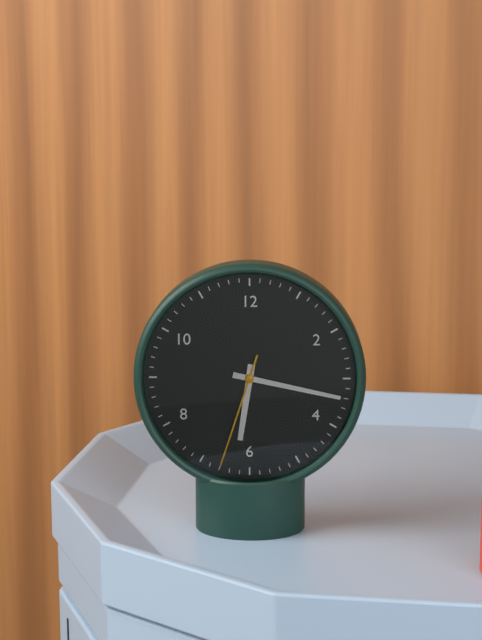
6,17,33
